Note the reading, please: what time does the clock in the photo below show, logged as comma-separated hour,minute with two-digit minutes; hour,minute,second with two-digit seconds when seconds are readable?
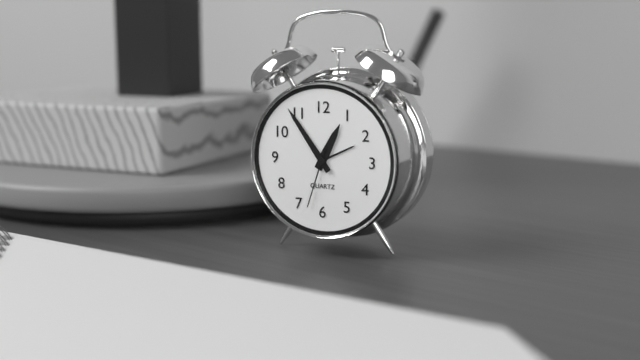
12,54,33
